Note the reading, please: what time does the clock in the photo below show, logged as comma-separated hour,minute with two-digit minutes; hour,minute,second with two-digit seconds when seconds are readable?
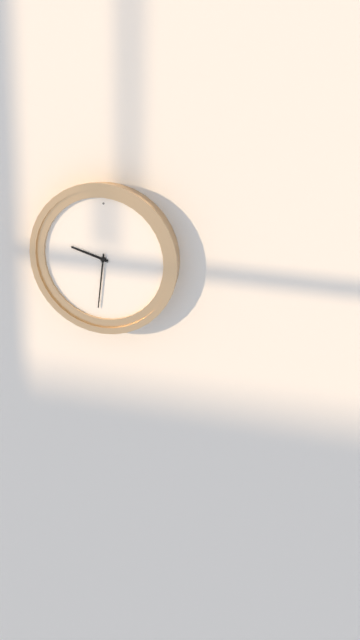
9,31
